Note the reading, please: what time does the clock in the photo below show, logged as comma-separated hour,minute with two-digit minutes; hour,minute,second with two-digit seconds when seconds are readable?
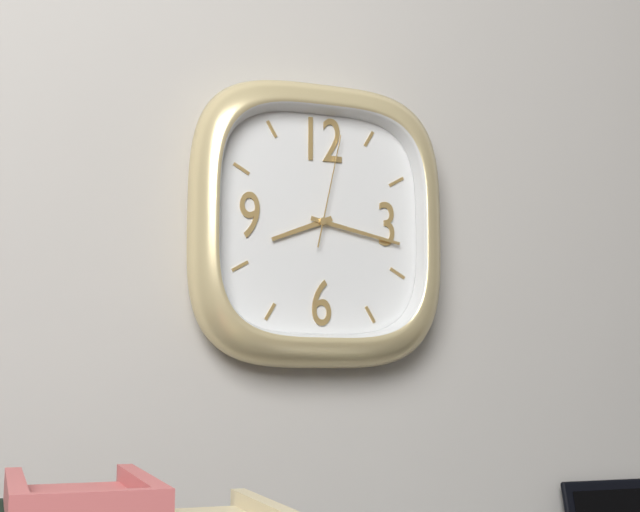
8,17,02
